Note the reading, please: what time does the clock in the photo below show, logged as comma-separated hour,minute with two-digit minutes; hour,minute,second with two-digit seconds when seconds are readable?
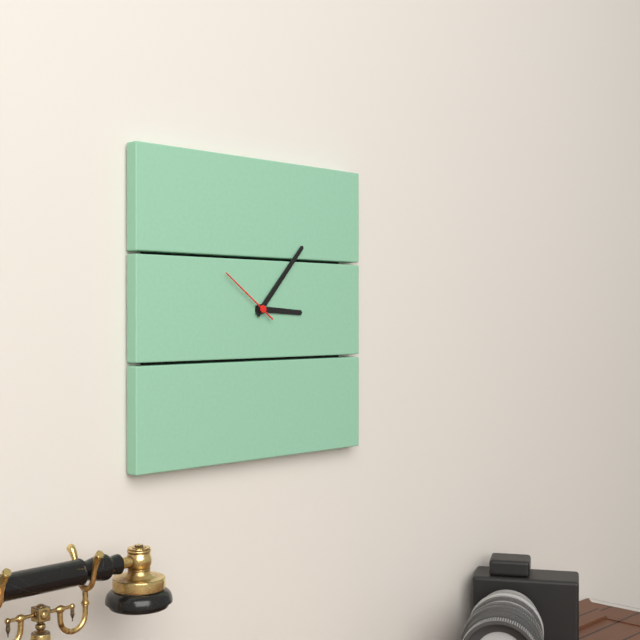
3,07,51
